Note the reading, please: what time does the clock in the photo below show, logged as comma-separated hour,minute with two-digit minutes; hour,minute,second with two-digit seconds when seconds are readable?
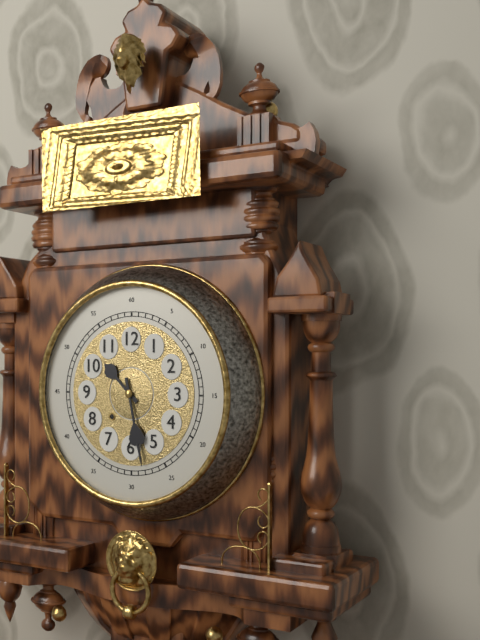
10,28
